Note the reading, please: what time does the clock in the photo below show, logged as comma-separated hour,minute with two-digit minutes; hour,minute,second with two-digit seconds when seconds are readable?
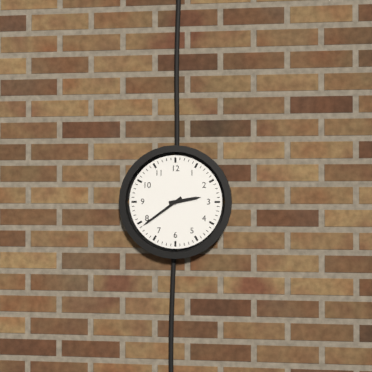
2,39
